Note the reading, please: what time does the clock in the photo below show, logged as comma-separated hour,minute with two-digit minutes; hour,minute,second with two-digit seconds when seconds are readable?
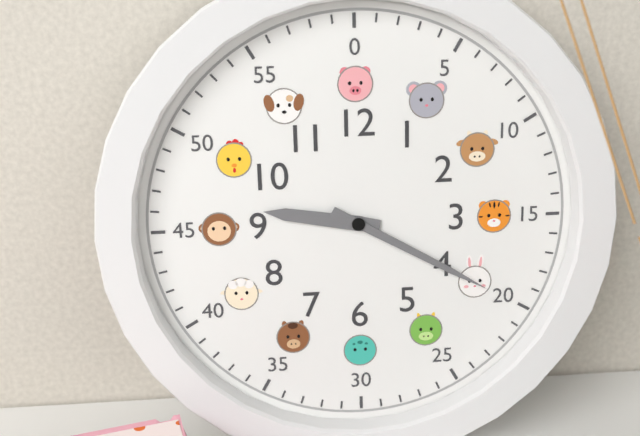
9,20
